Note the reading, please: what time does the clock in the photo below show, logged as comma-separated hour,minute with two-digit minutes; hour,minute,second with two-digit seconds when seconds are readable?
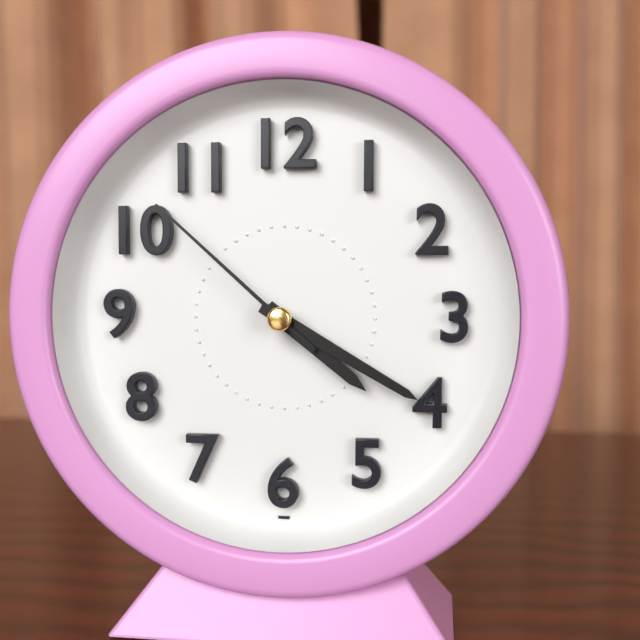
4,20,52
